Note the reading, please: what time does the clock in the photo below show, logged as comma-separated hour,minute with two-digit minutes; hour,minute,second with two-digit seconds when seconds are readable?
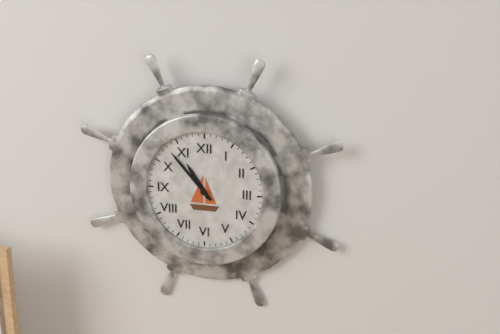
10,53
